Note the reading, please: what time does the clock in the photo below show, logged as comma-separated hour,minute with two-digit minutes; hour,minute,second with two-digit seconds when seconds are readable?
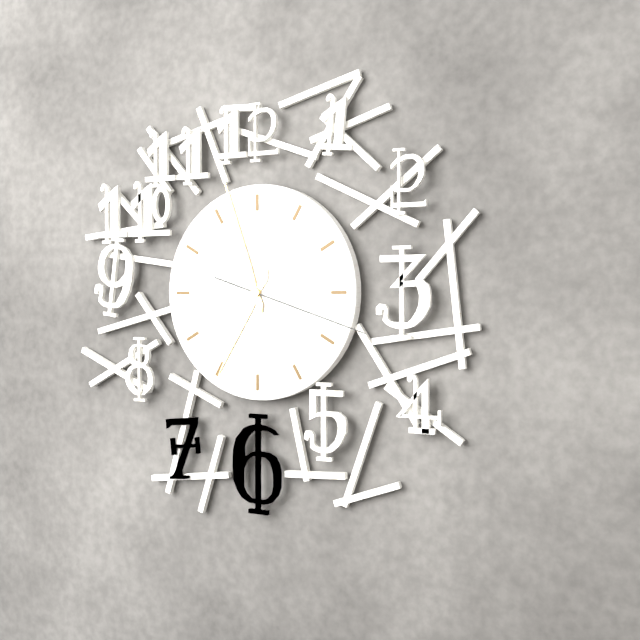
6,57,18
